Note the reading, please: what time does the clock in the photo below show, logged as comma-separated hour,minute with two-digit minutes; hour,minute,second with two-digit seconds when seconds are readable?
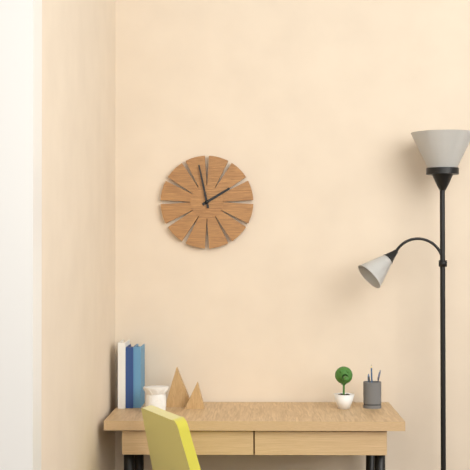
1,58
